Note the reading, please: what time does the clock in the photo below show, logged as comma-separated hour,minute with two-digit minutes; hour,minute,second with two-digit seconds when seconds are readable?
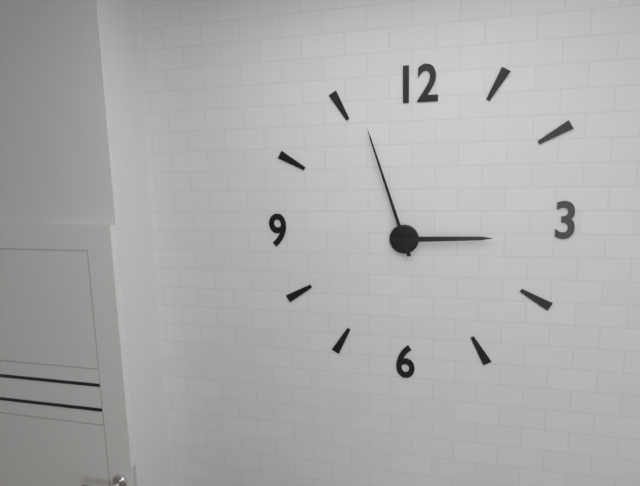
2,57
